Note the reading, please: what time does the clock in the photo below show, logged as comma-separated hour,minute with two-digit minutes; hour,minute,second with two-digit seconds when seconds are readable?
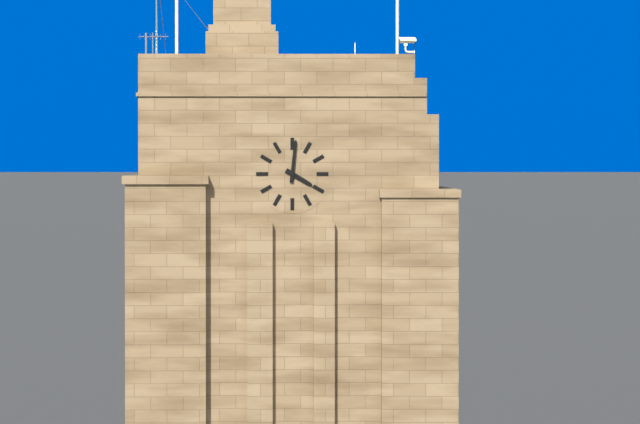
4,01
